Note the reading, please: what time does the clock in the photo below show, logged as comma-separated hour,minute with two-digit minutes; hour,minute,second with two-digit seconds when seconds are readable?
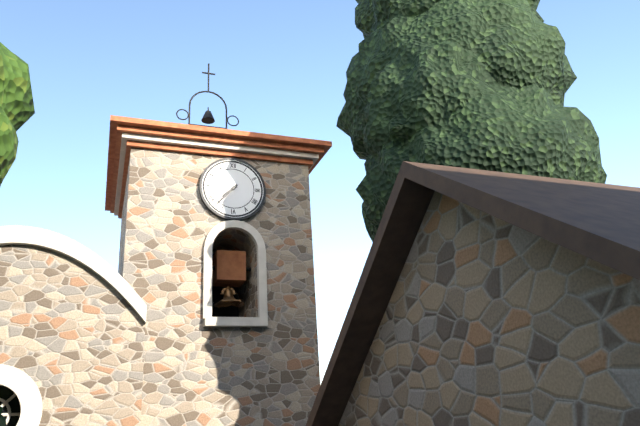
7,37
